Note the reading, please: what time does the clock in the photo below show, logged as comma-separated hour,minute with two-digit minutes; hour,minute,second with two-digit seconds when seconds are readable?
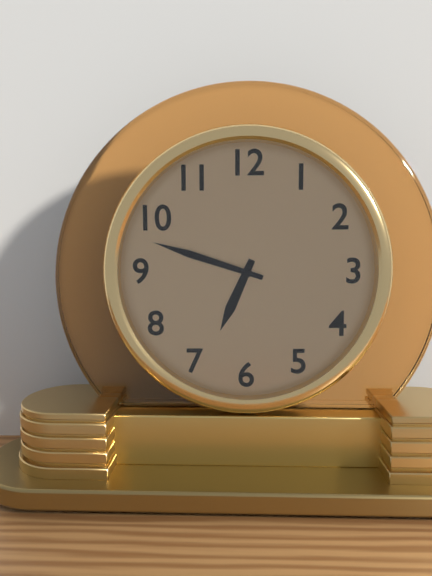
6,48
